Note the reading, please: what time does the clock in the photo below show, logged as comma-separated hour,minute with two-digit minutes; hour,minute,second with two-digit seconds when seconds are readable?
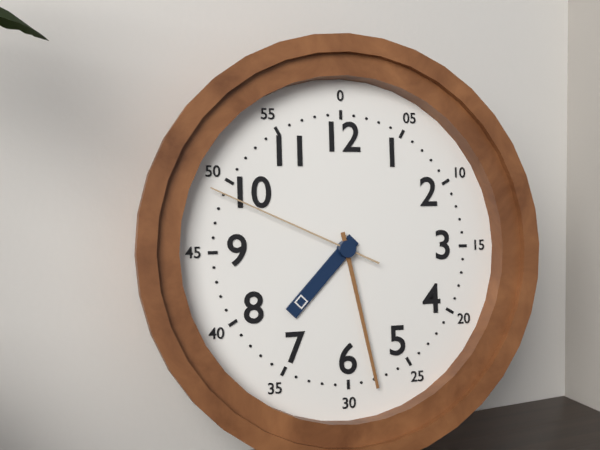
7,28,49
